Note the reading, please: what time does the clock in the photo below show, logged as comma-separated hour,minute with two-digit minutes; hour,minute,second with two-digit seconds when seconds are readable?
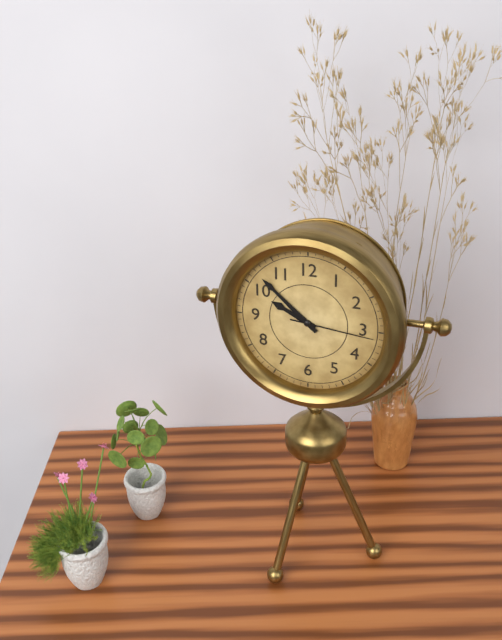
9,52,16
